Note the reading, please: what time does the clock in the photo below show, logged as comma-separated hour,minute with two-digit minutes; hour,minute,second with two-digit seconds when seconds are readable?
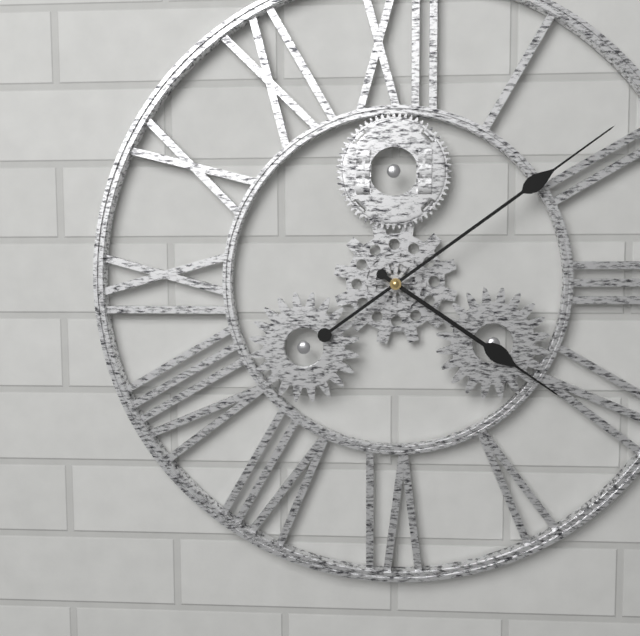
4,09
